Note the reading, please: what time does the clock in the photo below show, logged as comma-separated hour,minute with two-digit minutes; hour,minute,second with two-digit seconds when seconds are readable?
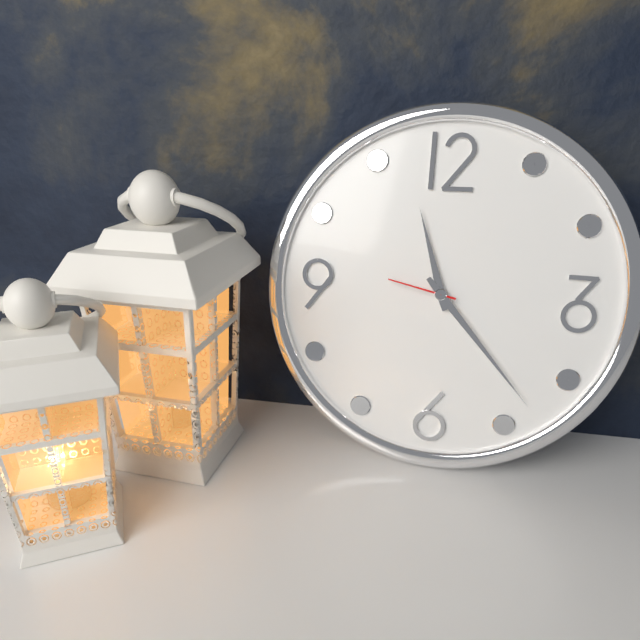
11,23,47
